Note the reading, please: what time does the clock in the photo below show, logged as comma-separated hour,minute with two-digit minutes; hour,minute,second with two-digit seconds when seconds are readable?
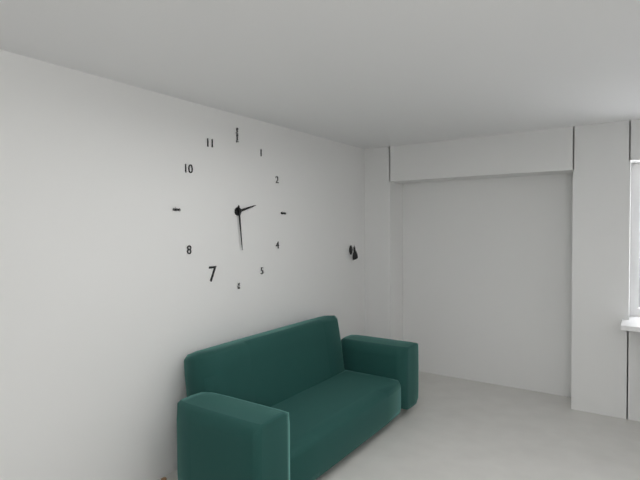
2,29
